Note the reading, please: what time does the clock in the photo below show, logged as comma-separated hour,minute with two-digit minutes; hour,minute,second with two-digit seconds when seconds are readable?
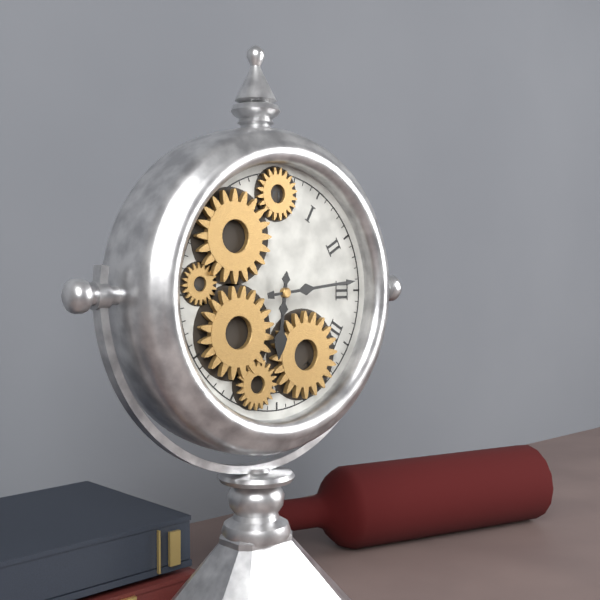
6,14
